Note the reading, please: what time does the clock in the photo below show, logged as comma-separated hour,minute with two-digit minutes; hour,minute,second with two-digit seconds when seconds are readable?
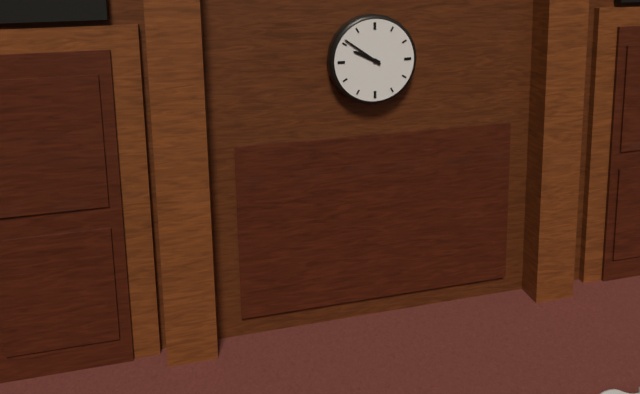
9,51
